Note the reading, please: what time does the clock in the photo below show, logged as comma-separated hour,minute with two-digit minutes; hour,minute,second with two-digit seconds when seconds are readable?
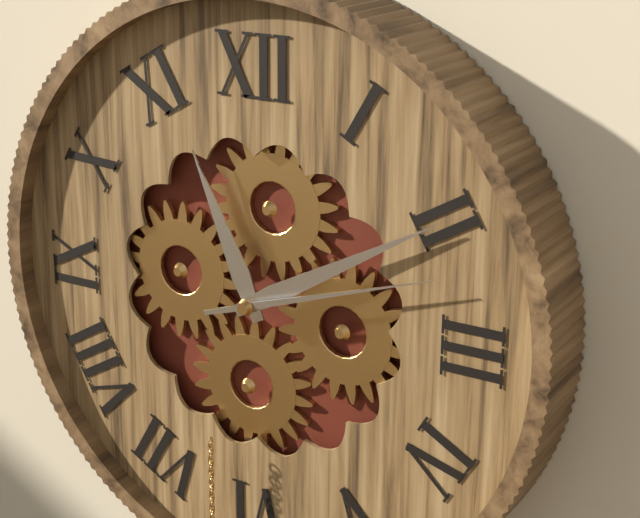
11,10,12
